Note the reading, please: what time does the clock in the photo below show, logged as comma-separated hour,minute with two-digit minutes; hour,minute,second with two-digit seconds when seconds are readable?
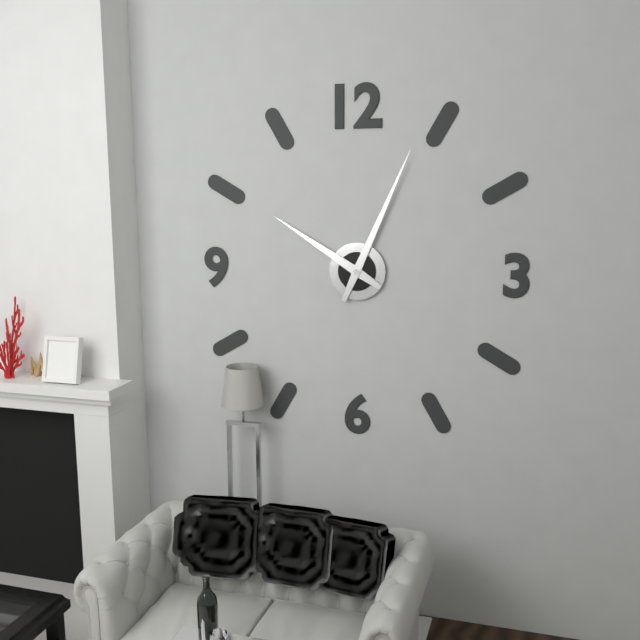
10,04
